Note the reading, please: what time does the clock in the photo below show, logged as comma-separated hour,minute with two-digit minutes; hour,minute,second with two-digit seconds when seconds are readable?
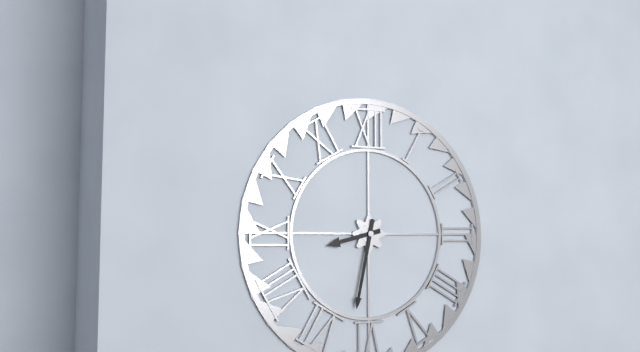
8,32
